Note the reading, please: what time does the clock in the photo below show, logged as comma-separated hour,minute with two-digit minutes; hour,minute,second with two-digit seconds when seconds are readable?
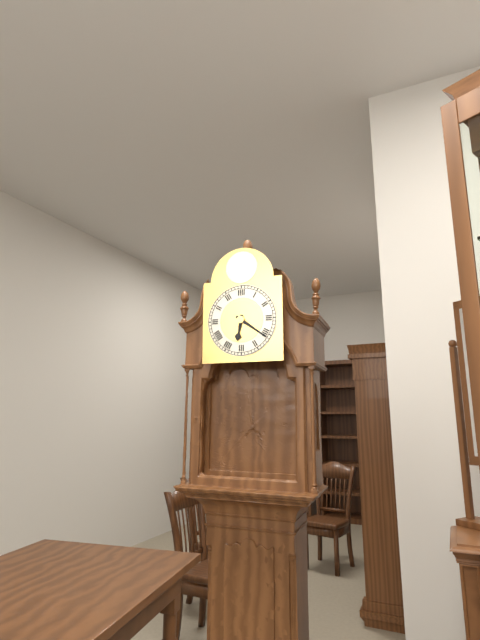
6,21
